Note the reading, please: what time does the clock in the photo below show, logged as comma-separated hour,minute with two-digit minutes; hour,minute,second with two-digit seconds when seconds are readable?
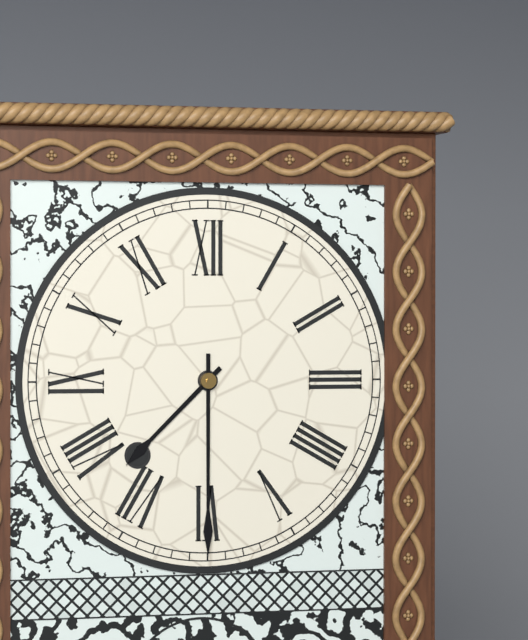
7,30
